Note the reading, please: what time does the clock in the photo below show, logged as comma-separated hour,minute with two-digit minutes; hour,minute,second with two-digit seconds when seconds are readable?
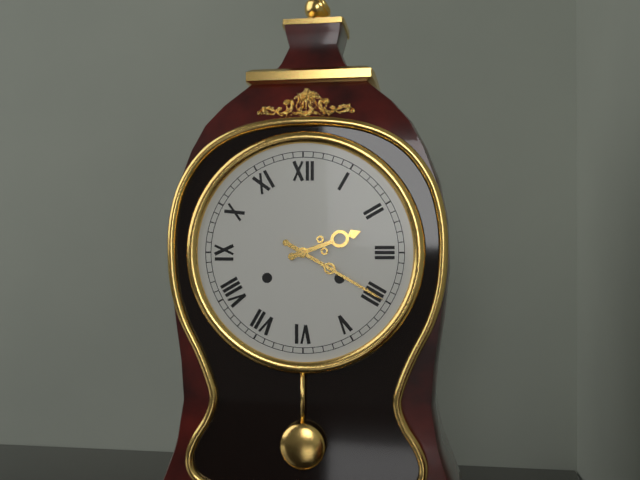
2,20
